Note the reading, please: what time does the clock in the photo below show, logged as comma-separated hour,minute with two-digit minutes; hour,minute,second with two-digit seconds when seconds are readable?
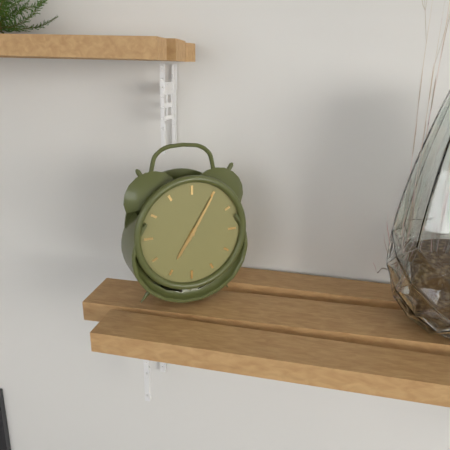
7,05
